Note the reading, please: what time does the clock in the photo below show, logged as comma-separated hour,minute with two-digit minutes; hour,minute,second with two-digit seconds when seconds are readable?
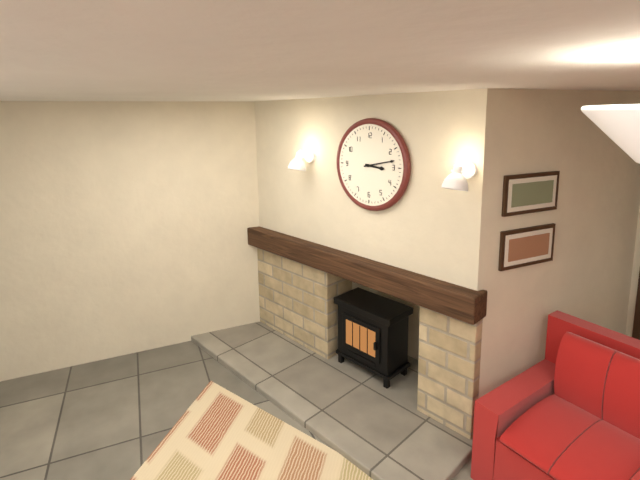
3,13
